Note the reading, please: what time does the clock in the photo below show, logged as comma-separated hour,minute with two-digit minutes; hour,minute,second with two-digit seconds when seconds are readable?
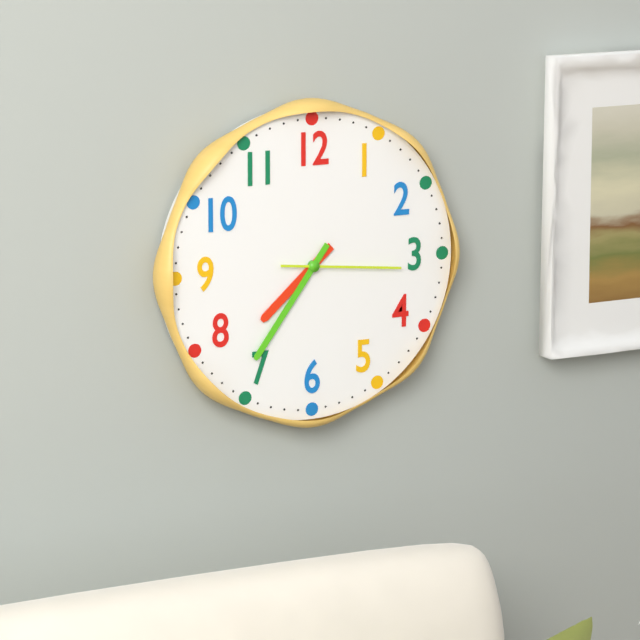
7,36,16
